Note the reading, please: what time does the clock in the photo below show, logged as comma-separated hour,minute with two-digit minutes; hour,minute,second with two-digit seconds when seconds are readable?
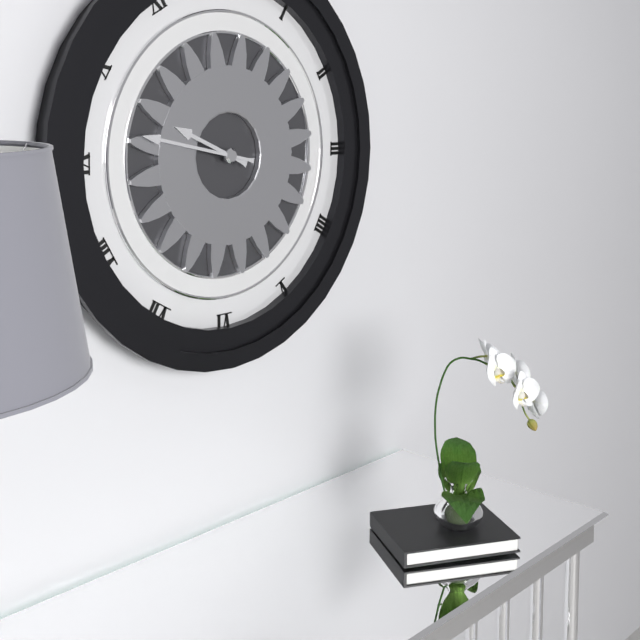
9,47
